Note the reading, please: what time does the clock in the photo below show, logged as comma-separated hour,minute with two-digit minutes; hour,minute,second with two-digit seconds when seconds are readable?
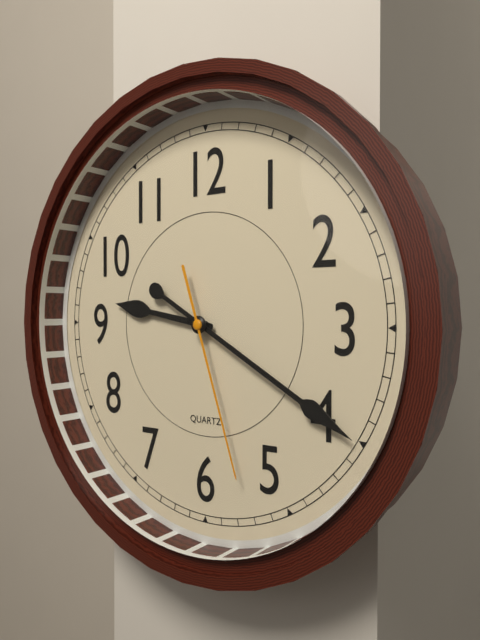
9,20,27
